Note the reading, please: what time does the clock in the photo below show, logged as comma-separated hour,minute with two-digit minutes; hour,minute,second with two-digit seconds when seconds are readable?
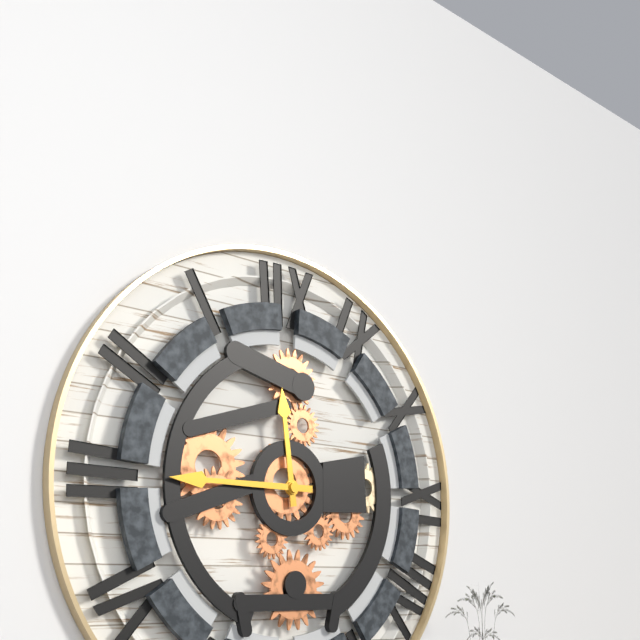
11,45
